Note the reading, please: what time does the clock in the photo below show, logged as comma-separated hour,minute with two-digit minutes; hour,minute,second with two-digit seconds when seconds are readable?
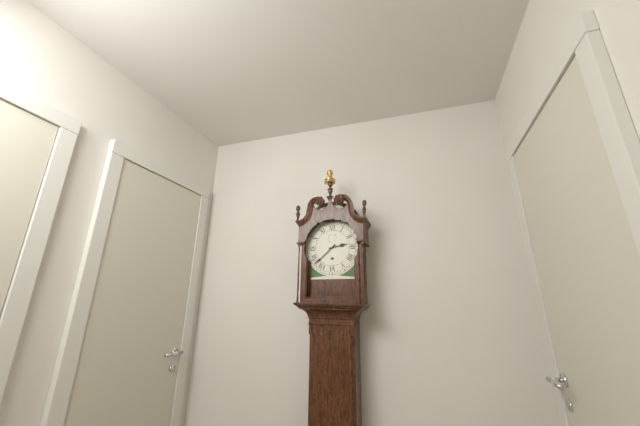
2,38
